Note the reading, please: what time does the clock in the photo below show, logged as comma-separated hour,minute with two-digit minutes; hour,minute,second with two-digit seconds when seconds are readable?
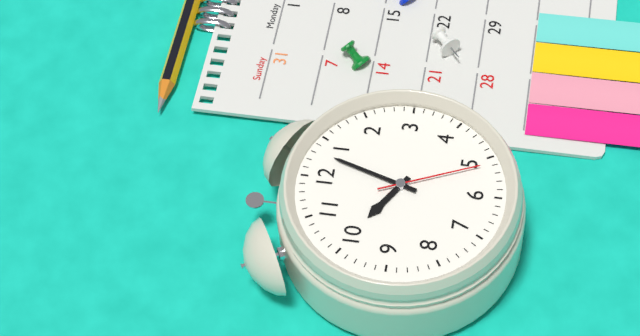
10,03,26
